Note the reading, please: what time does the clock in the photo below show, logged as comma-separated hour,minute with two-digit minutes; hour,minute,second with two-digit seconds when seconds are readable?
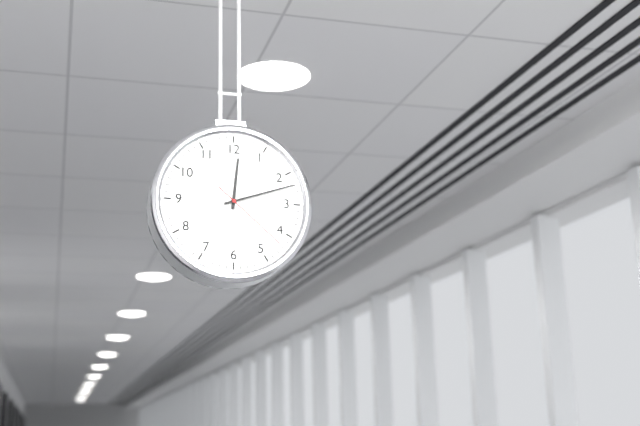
12,12,22
